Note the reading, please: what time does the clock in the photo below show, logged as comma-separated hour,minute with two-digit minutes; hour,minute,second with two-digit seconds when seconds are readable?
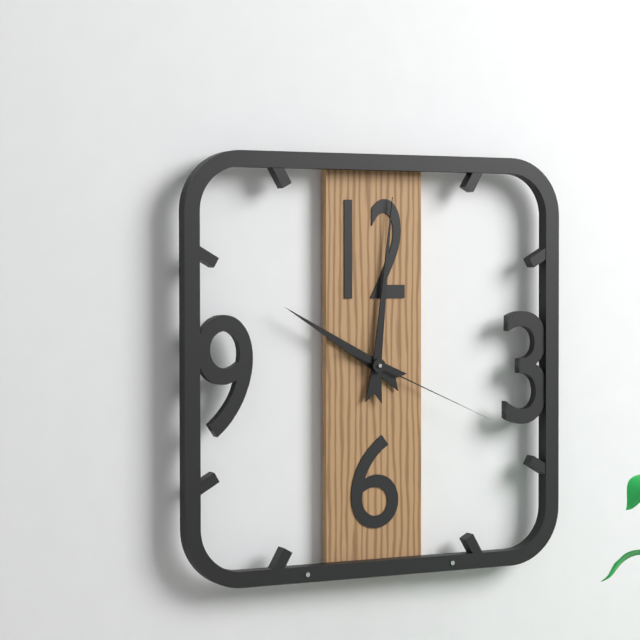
10,01,19
